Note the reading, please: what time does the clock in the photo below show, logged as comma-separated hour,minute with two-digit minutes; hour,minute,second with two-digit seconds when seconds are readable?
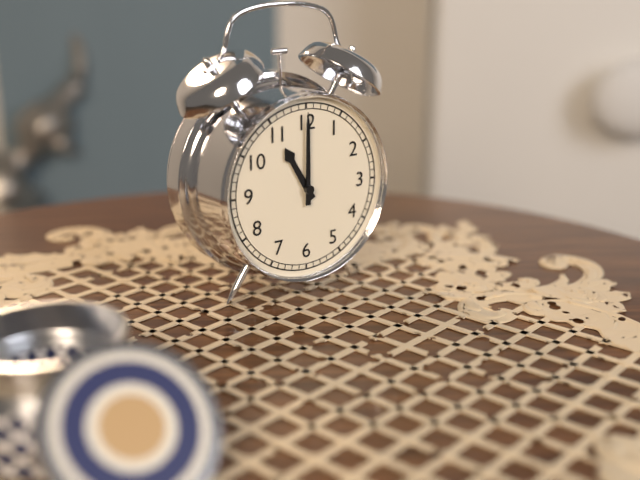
11,00
